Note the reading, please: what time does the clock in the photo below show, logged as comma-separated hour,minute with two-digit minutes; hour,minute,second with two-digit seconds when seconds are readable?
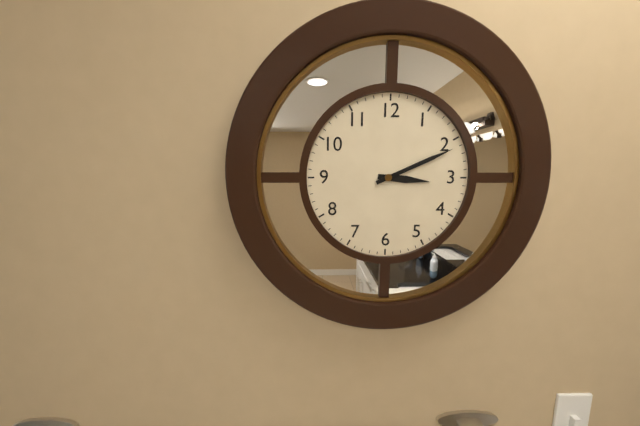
3,11
